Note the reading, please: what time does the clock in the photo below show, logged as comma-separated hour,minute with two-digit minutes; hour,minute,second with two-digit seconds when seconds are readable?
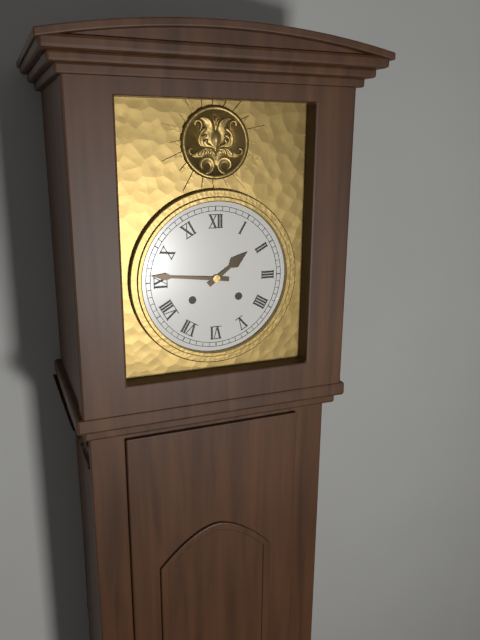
1,46
